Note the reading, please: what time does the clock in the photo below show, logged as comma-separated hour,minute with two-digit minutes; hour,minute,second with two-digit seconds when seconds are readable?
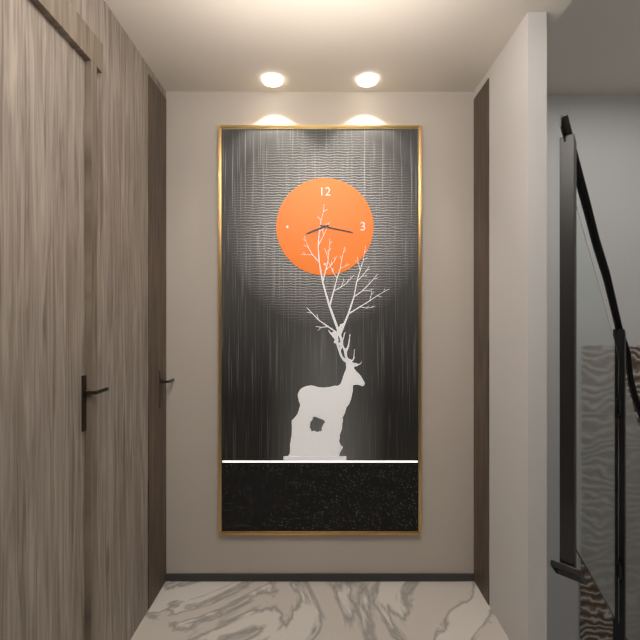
8,17
